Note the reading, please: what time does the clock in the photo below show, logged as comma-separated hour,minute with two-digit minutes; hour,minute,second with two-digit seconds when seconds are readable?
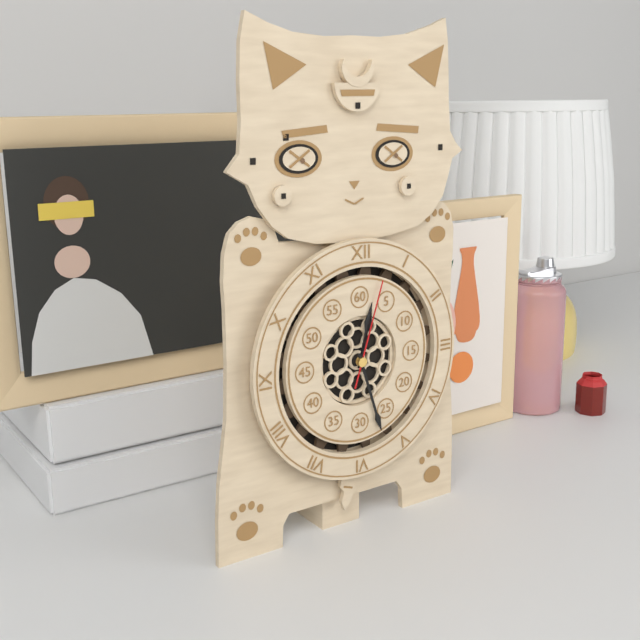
12,27,03
